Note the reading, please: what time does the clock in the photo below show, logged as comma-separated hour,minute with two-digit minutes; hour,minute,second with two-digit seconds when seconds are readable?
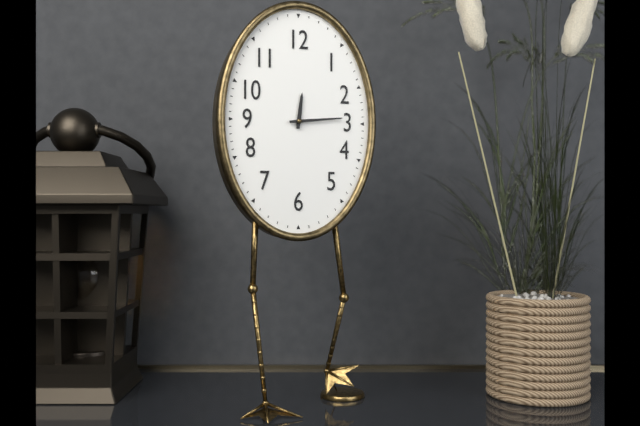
12,14
